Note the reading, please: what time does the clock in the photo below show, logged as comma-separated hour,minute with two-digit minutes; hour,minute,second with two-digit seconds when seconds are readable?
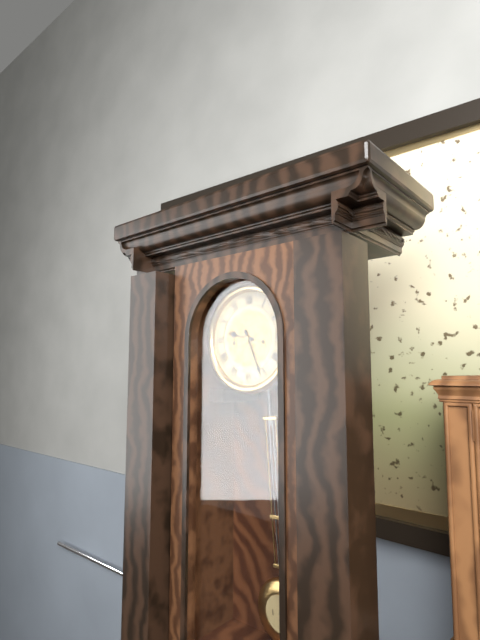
9,26
